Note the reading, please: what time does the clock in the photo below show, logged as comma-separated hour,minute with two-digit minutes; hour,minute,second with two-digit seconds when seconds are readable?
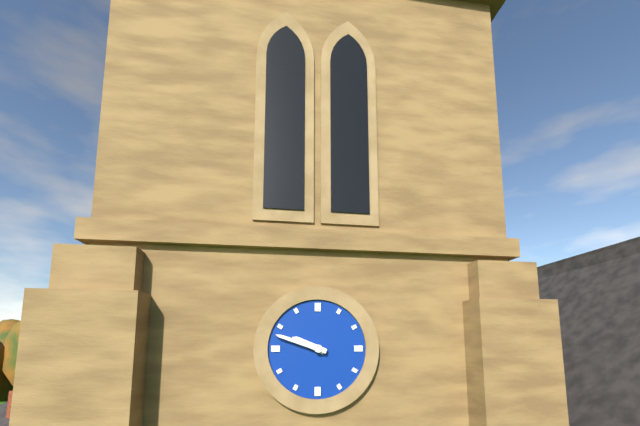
9,48
